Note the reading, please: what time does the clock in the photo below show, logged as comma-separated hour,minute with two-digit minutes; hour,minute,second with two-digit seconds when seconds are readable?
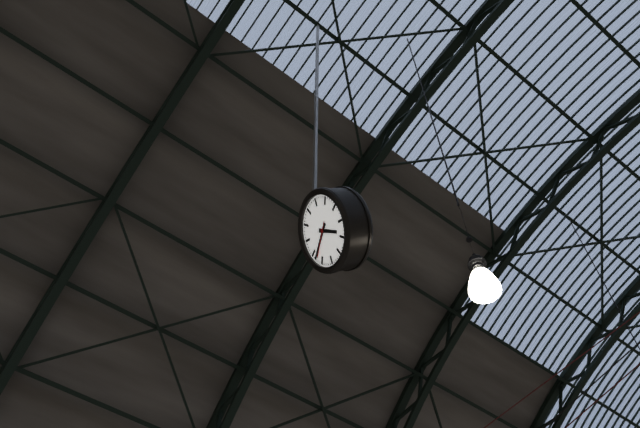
4,43
